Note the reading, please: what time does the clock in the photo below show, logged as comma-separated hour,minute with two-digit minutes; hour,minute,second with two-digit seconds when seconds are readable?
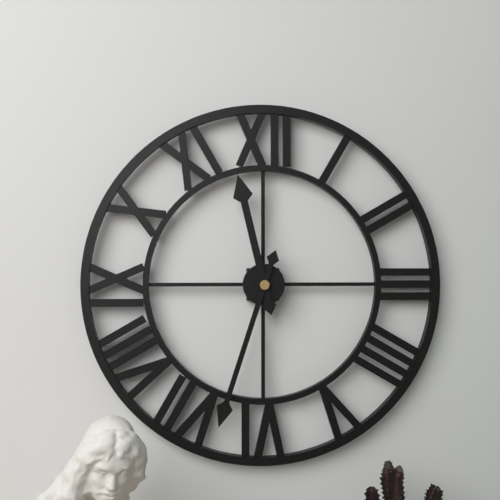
11,33
